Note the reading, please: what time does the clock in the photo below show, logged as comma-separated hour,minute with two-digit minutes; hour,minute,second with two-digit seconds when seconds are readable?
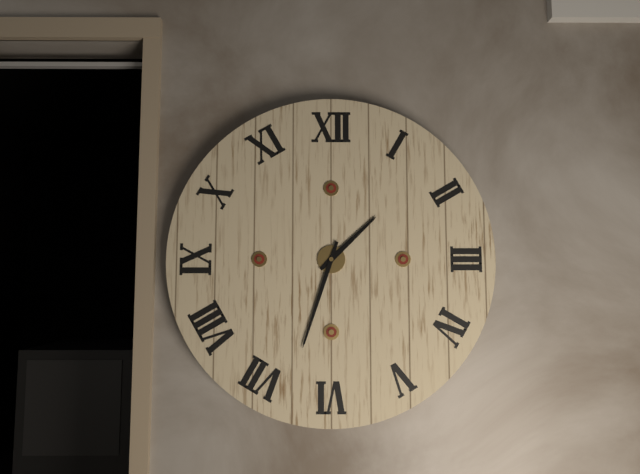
1,33
